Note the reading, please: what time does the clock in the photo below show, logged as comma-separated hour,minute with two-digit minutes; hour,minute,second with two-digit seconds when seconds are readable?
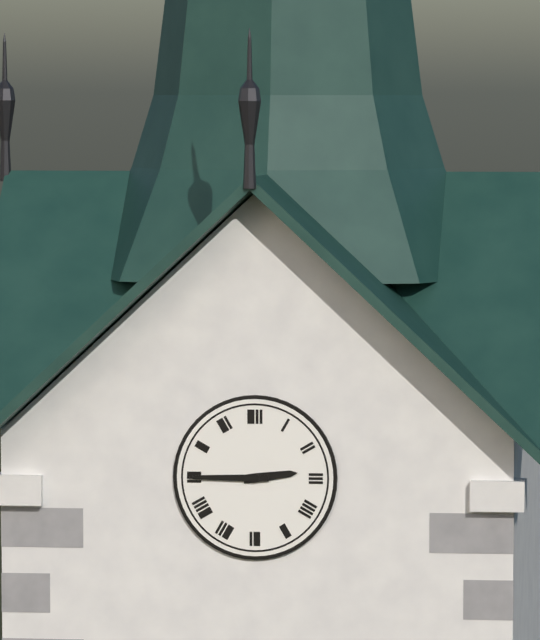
2,45
